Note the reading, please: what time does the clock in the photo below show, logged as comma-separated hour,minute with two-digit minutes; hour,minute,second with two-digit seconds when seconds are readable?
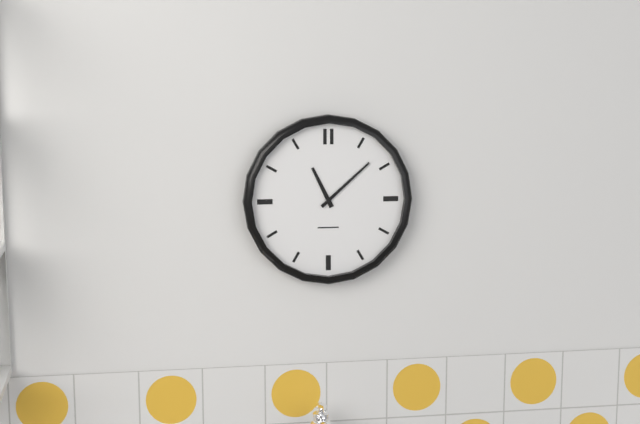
11,08
